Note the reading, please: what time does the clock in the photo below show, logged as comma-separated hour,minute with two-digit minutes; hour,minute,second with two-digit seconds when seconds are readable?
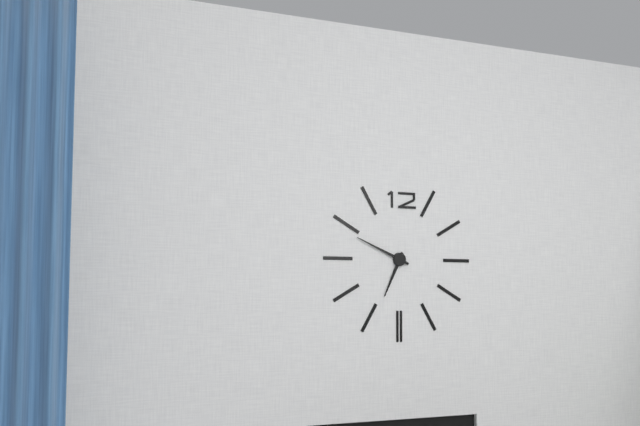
6,49
